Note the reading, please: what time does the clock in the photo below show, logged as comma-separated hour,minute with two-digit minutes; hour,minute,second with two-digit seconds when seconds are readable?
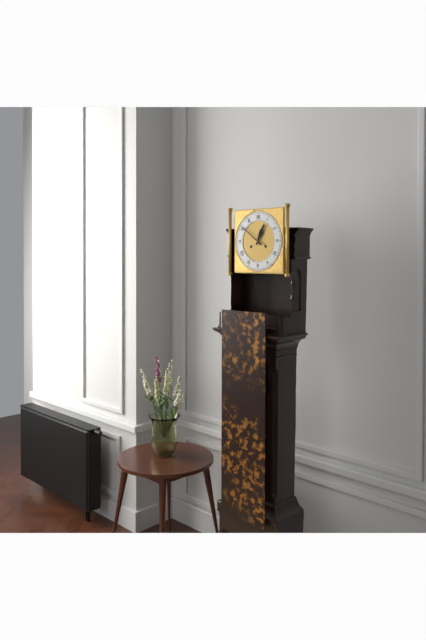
12,51
